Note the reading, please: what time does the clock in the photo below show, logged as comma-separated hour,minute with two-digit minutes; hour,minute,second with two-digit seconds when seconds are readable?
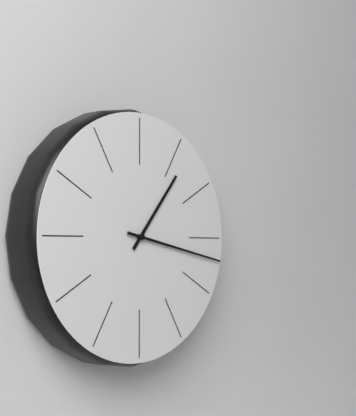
1,17
